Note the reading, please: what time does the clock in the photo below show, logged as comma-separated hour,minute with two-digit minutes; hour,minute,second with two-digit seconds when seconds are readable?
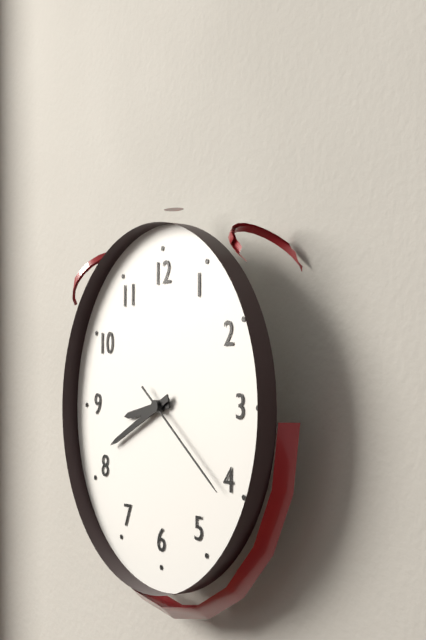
8,41,21
